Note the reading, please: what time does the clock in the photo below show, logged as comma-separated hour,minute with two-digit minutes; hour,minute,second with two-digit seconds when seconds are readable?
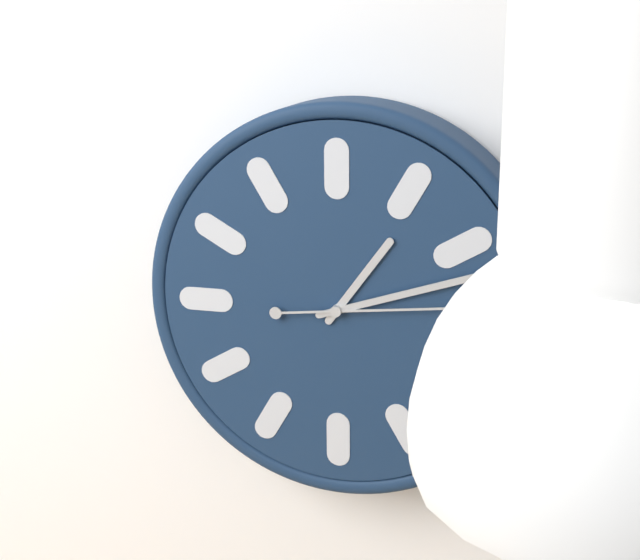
1,12,14
